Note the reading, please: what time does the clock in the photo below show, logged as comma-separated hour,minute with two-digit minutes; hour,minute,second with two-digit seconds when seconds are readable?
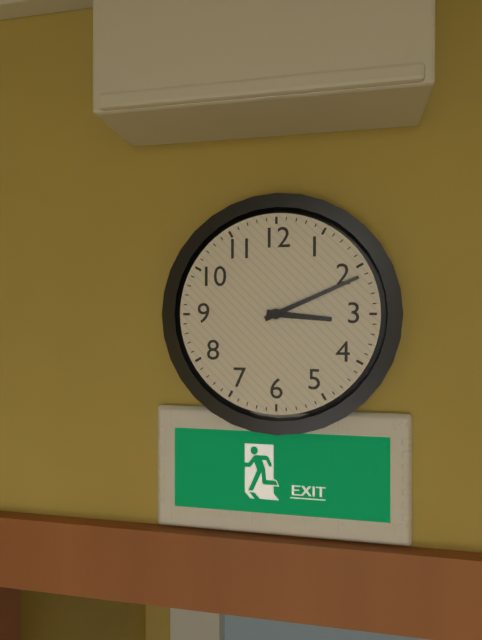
3,11
